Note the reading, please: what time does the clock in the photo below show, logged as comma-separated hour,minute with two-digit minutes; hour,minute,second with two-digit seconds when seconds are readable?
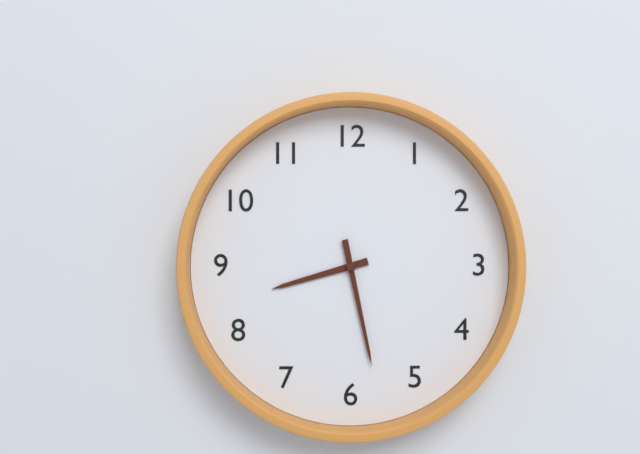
8,28
